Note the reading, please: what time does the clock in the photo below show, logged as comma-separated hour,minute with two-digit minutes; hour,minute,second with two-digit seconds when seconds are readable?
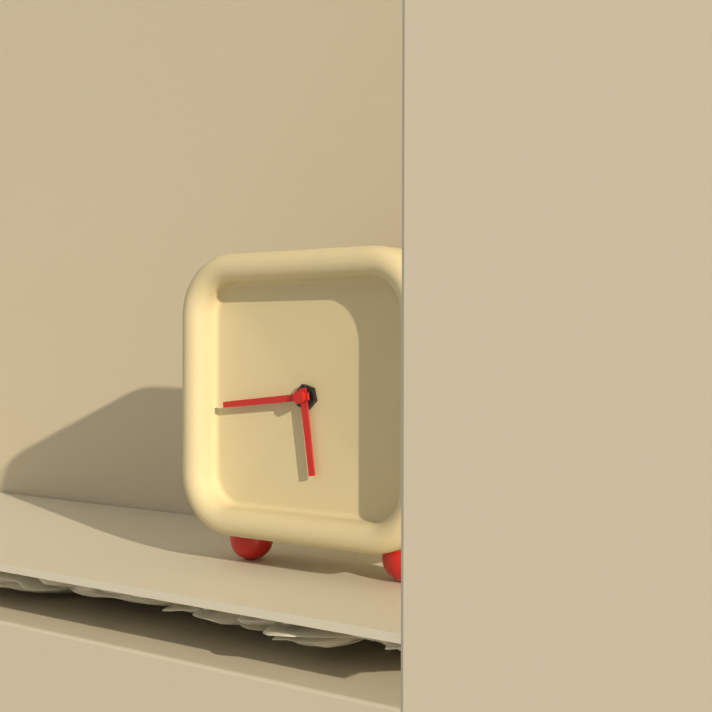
5,44
